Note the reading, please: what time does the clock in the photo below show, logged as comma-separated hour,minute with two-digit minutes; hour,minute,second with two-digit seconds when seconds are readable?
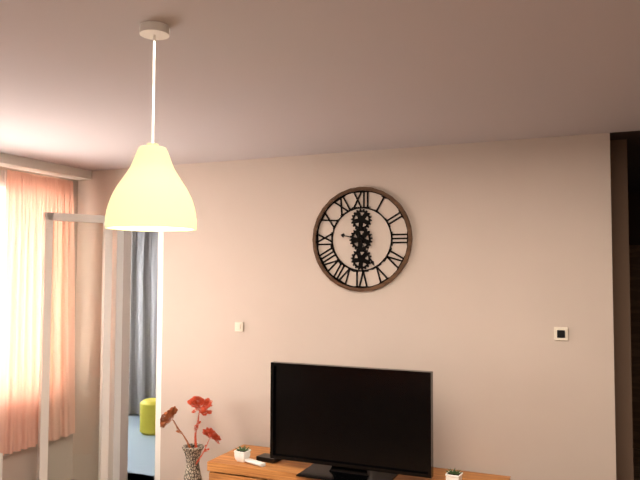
9,25
